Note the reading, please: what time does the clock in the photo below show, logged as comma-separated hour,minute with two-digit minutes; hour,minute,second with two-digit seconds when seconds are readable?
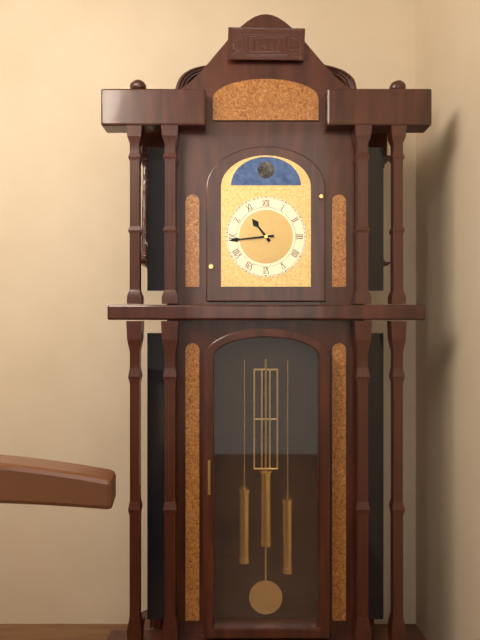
10,44
